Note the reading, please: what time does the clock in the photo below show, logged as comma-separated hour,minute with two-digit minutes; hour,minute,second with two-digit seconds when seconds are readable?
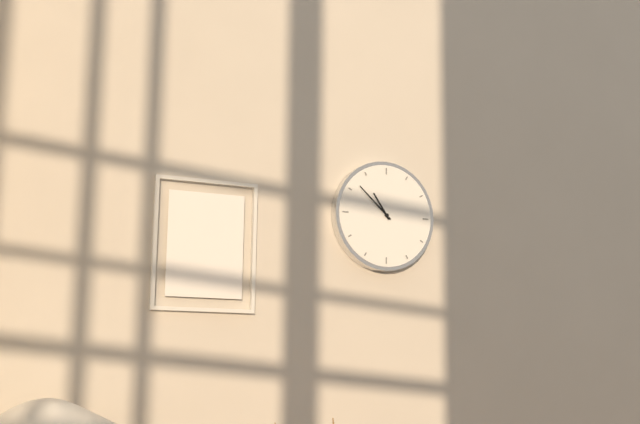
10,52
